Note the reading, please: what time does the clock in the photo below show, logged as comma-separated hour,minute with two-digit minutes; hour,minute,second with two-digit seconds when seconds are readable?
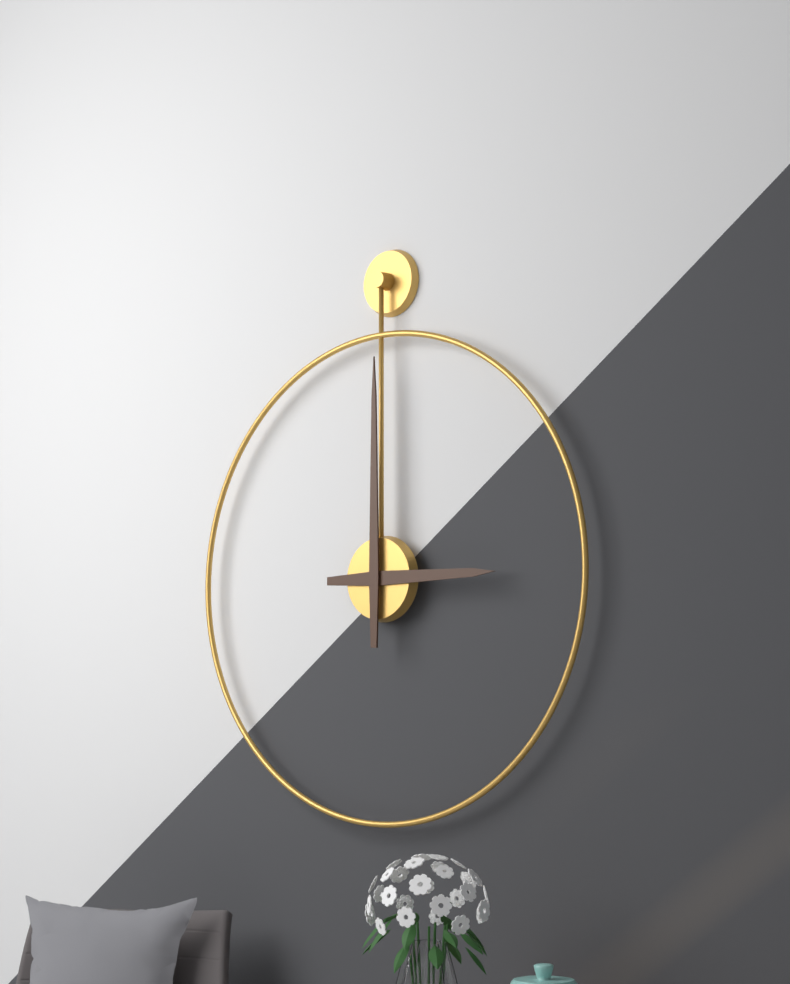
3,00
